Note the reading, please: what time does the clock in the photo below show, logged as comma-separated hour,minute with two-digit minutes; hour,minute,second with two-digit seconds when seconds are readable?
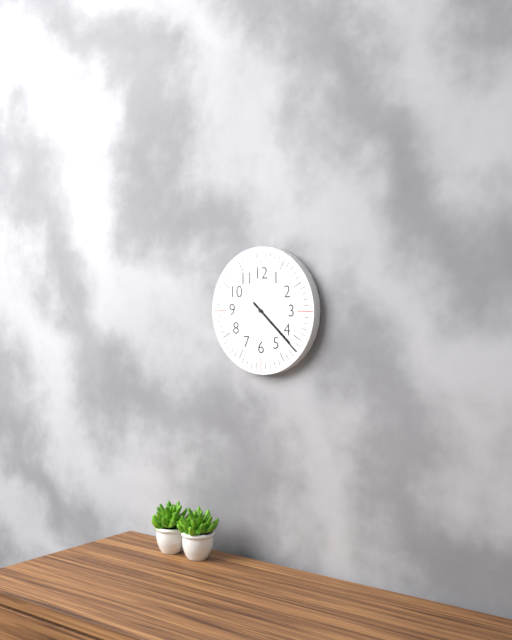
4,22
